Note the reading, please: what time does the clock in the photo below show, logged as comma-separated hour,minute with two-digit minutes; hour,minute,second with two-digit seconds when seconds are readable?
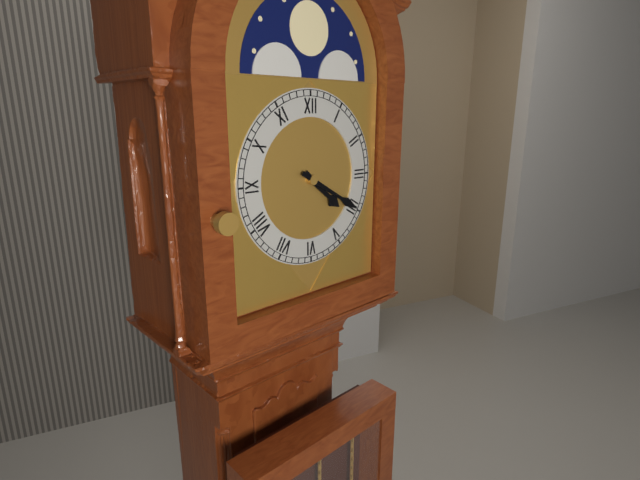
4,20
